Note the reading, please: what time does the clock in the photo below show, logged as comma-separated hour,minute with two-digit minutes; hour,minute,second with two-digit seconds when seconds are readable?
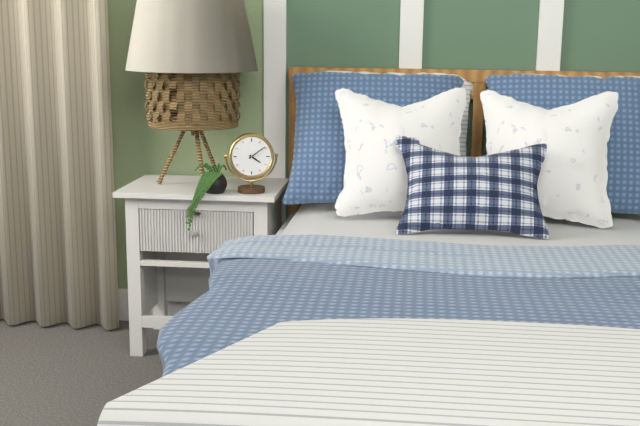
4,09
